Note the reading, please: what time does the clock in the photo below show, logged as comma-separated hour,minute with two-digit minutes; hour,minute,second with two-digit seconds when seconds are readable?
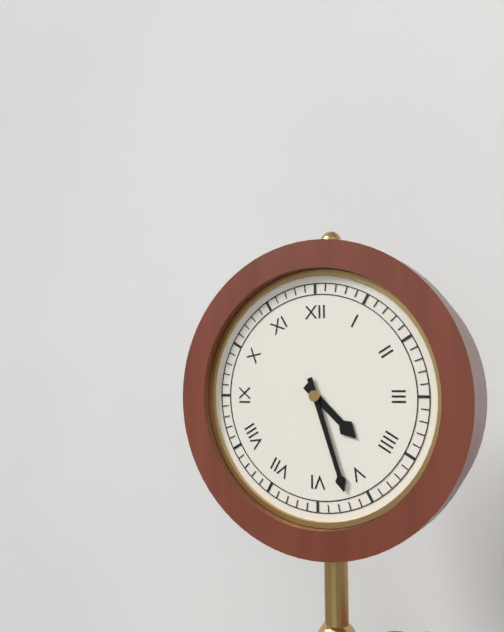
4,27
